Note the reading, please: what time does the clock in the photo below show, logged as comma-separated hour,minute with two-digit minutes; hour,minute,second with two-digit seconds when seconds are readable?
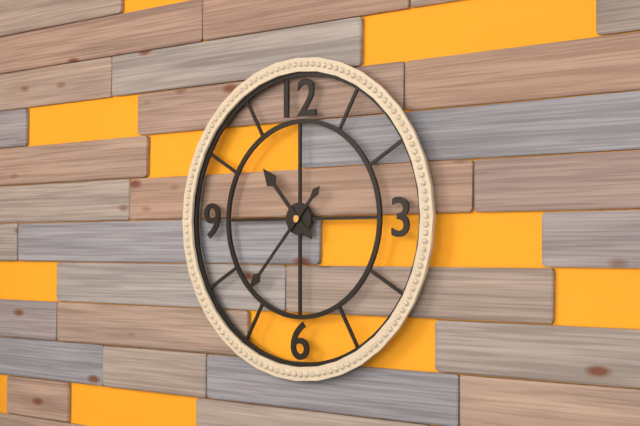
10,37
